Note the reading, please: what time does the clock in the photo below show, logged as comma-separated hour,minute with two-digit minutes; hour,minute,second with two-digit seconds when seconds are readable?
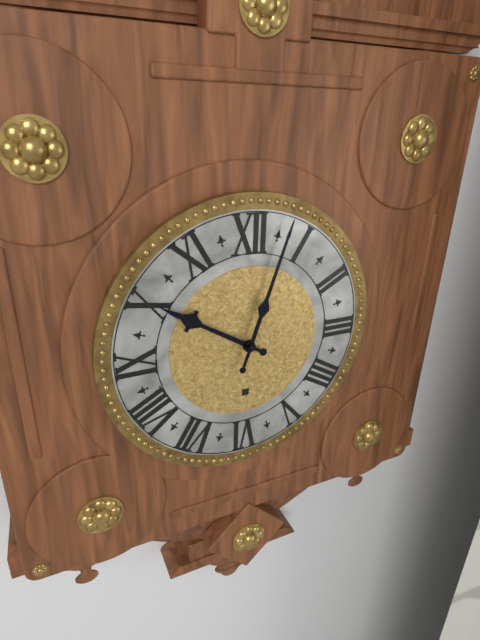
10,03
